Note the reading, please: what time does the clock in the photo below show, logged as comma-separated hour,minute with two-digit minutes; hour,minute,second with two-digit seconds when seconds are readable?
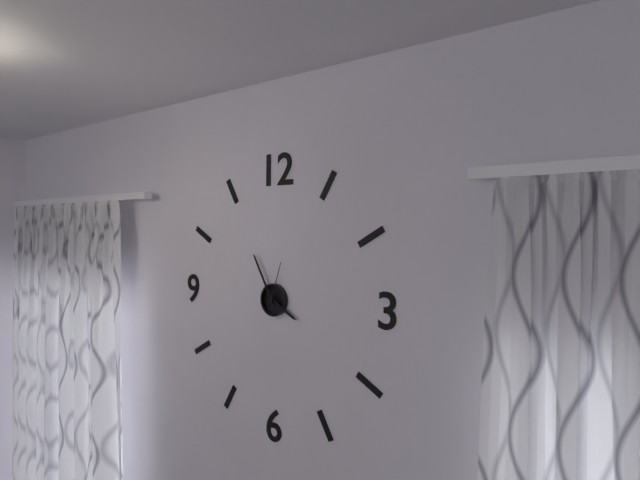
3,55,03
